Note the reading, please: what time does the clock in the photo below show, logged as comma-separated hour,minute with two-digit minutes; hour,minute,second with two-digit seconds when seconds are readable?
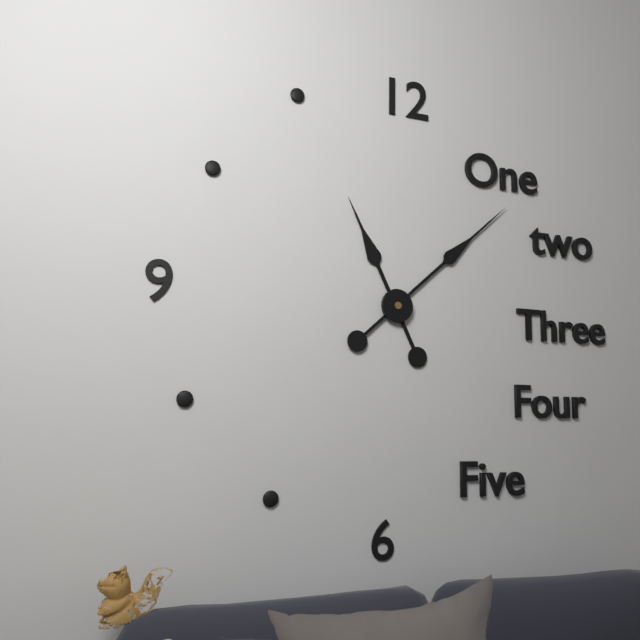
11,08
